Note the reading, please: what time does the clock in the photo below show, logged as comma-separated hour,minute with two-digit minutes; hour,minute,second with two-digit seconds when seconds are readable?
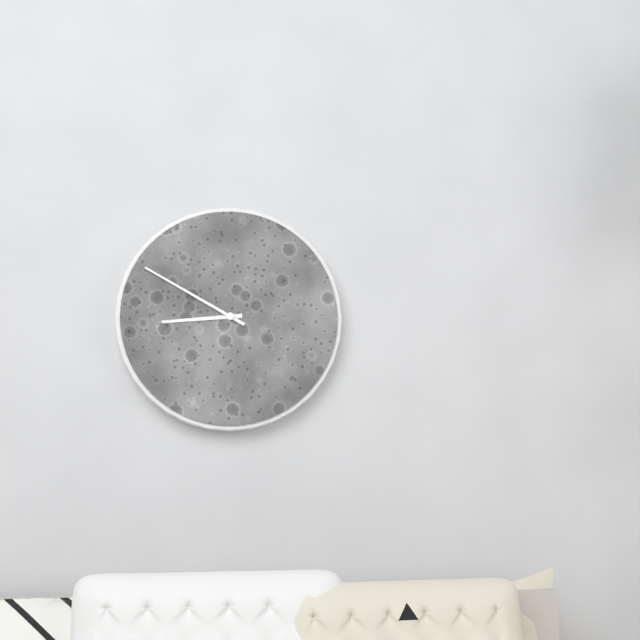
8,50
